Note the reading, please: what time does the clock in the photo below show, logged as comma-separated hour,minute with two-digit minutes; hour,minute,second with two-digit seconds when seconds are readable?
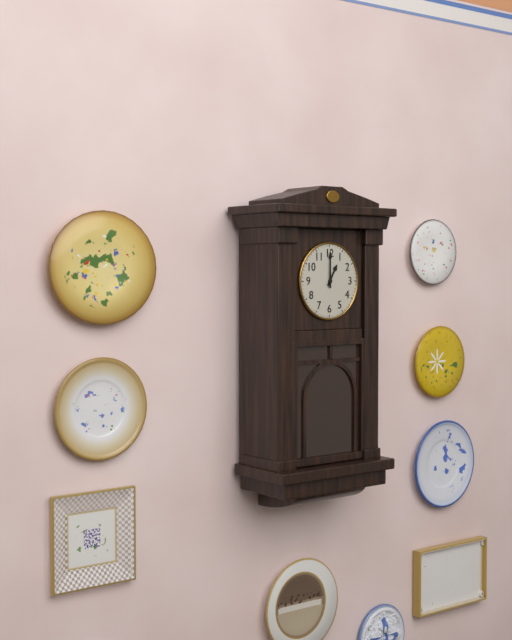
1,00
